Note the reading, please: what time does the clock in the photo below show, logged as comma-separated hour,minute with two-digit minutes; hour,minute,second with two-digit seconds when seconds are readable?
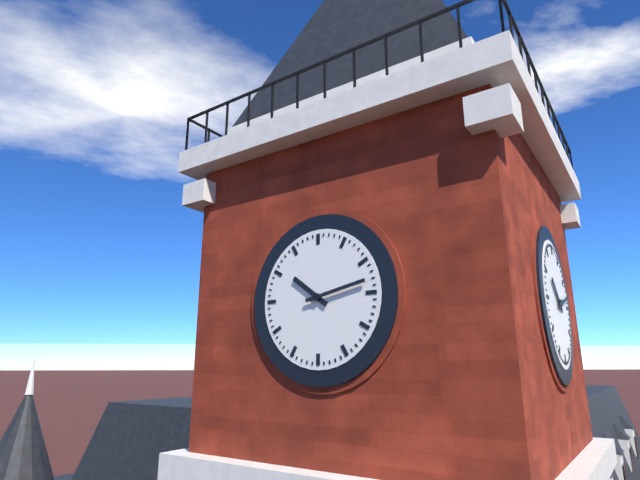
10,13
